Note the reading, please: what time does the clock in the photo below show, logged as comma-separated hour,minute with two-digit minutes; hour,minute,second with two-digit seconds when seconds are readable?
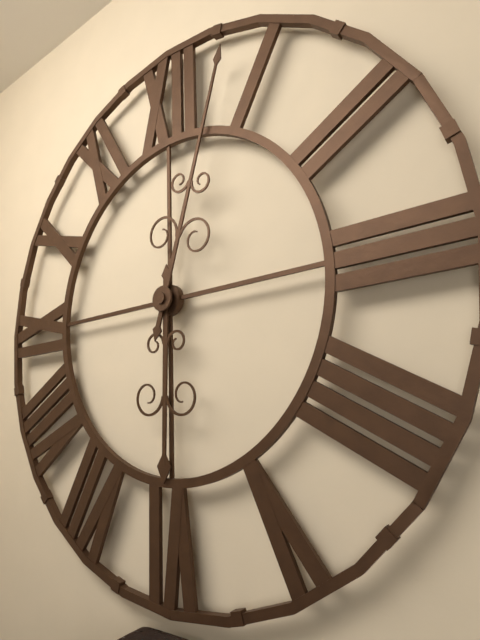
6,03
